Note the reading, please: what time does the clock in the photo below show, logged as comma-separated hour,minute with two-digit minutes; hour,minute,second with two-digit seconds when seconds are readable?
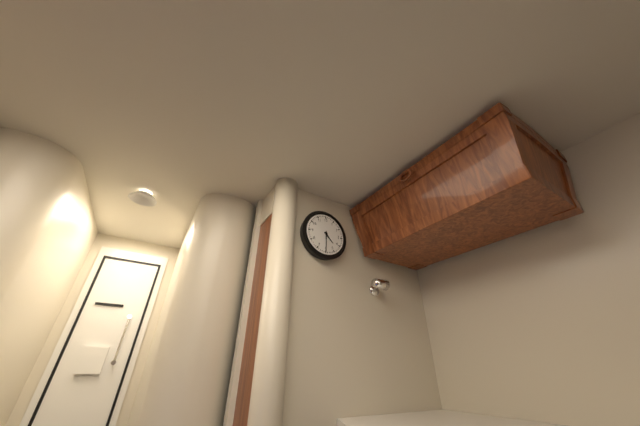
4,30
